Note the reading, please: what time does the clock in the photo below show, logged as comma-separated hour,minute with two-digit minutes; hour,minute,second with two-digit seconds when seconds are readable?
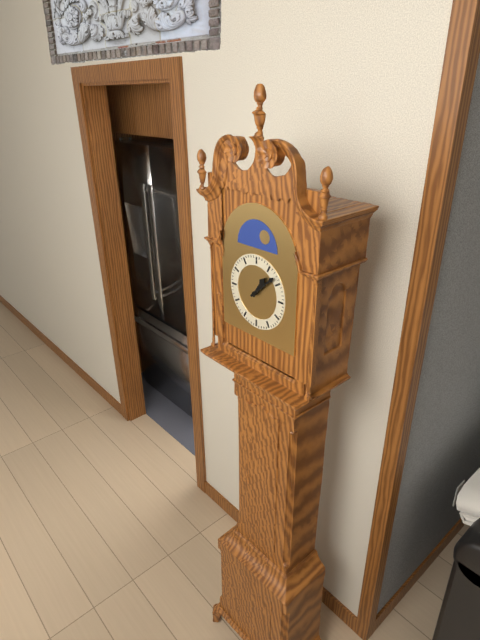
1,08
